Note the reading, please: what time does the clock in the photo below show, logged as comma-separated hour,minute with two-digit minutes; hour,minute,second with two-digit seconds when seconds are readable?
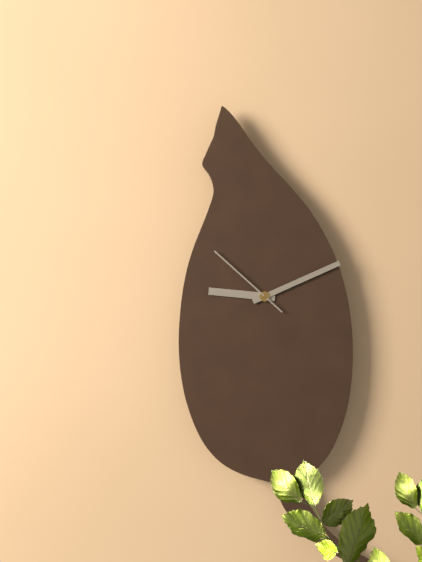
9,11,52
